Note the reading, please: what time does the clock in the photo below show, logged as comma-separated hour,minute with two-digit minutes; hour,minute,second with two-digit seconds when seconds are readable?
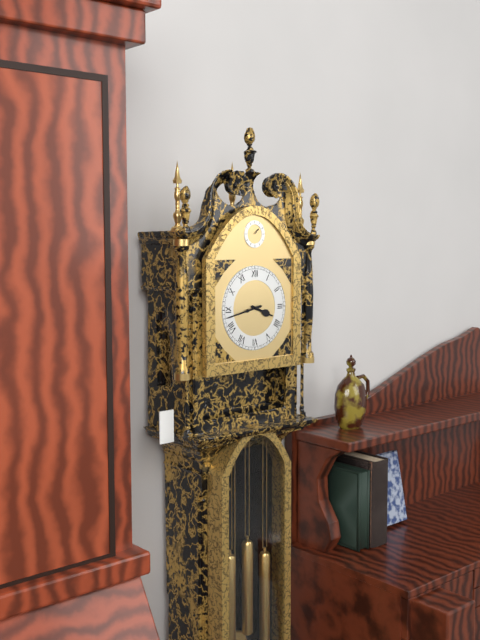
3,43
